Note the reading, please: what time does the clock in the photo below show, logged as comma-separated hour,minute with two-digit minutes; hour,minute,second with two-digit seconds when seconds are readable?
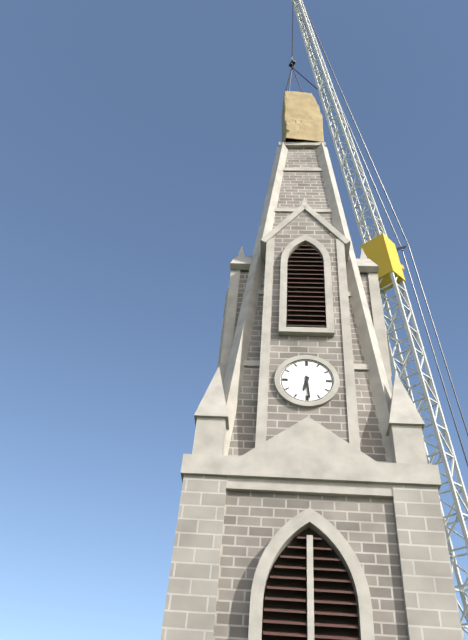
6,29
